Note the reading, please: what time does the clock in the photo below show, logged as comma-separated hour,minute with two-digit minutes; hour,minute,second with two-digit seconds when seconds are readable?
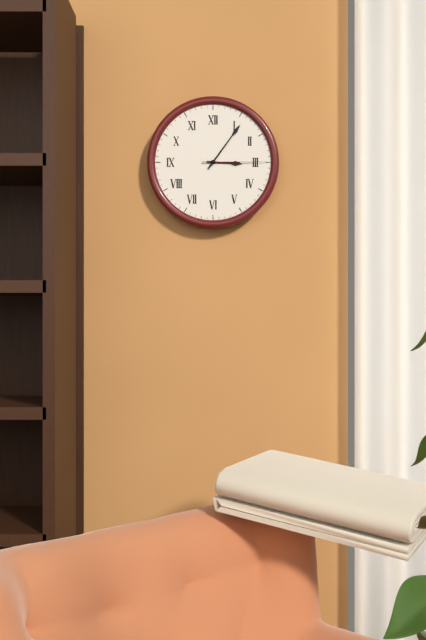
3,06,15
